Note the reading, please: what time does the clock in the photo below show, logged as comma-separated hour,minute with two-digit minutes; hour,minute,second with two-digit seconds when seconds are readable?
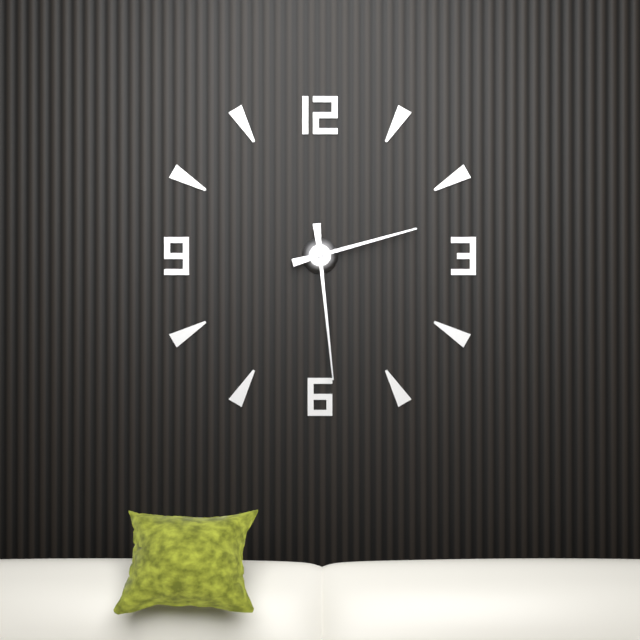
2,29
